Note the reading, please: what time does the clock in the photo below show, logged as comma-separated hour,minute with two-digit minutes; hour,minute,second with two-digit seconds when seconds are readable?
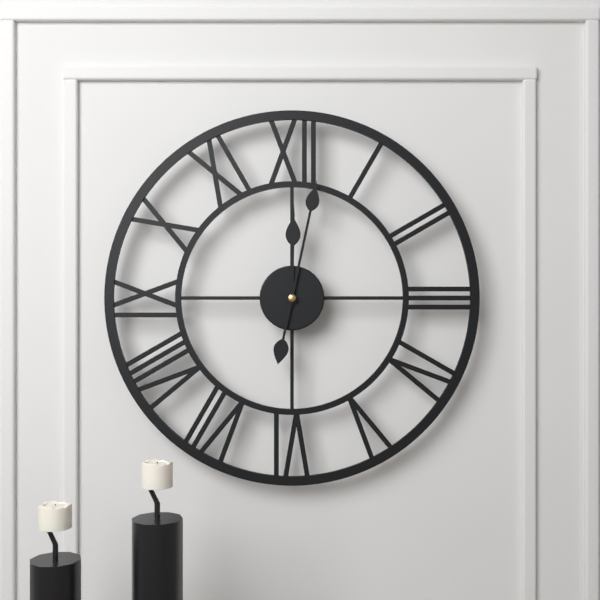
12,02
